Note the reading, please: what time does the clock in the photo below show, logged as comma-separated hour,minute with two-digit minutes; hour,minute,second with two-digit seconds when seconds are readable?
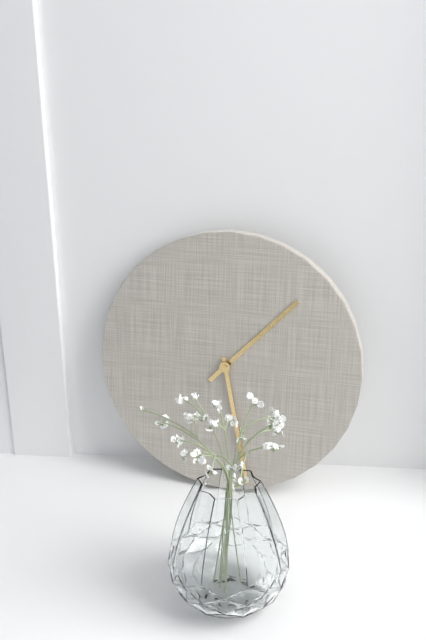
1,28
